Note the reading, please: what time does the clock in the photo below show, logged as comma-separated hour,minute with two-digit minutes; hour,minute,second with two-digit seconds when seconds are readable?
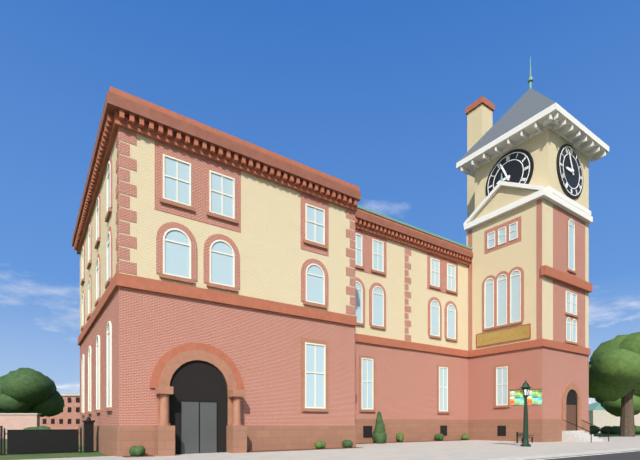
8,56
